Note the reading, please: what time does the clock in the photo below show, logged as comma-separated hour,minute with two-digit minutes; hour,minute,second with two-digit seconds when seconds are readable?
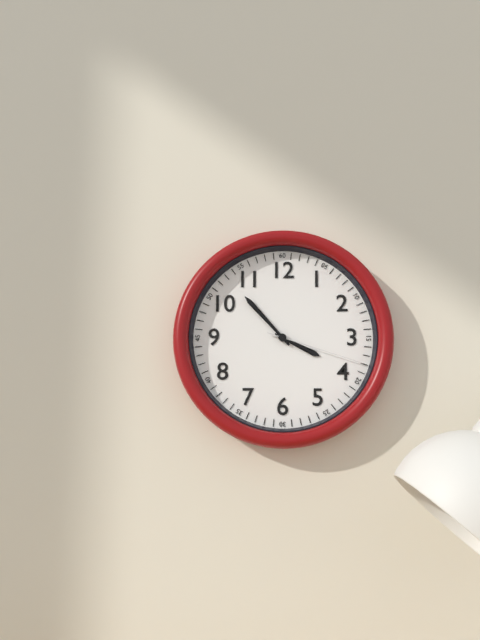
3,53,18
